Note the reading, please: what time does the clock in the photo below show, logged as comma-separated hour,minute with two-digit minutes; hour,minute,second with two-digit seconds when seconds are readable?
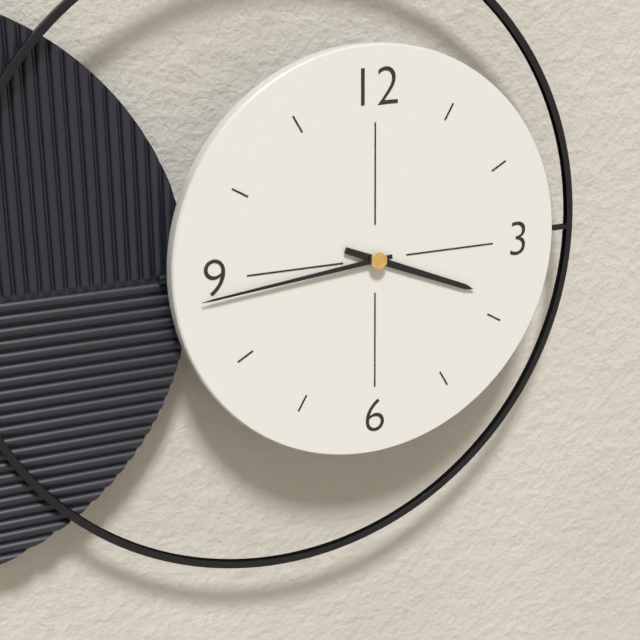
3,44
